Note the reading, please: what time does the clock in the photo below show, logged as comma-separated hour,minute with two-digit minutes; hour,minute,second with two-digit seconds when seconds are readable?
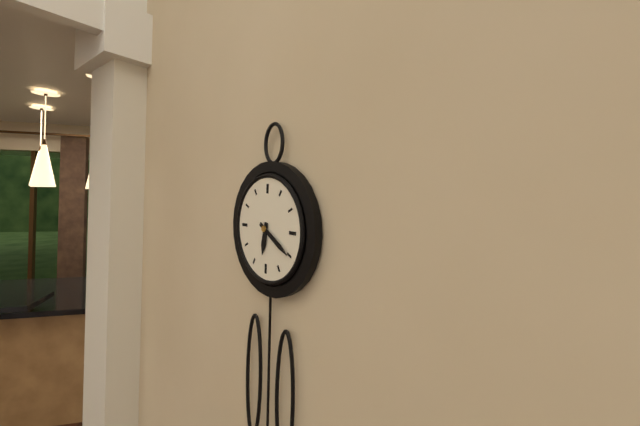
6,20
